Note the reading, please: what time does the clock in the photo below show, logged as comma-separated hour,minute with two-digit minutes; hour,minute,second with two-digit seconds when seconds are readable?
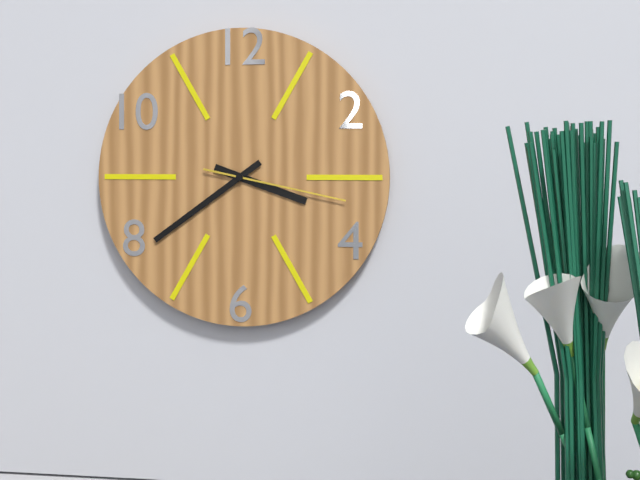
3,39,17
